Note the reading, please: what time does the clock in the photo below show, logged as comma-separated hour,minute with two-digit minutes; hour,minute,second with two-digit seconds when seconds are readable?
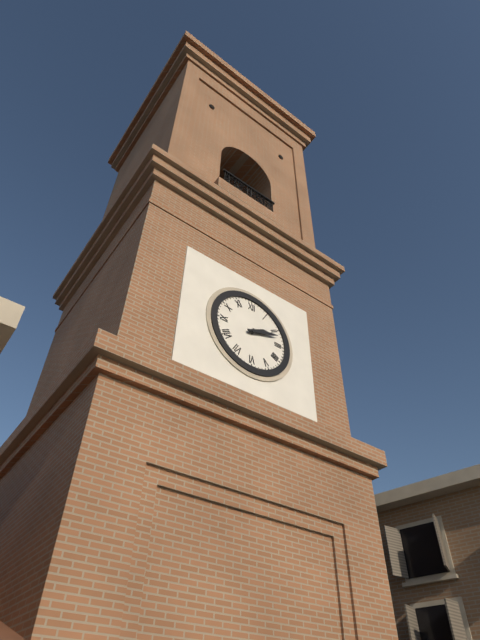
2,12
